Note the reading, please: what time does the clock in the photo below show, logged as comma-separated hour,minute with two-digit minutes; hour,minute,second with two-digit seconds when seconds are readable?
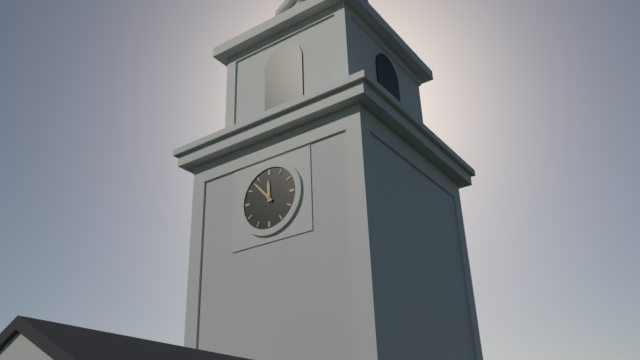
11,53
